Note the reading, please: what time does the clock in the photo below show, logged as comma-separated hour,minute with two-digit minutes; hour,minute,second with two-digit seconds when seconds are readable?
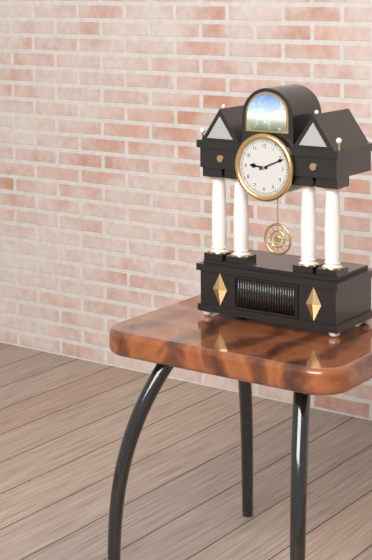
9,11
